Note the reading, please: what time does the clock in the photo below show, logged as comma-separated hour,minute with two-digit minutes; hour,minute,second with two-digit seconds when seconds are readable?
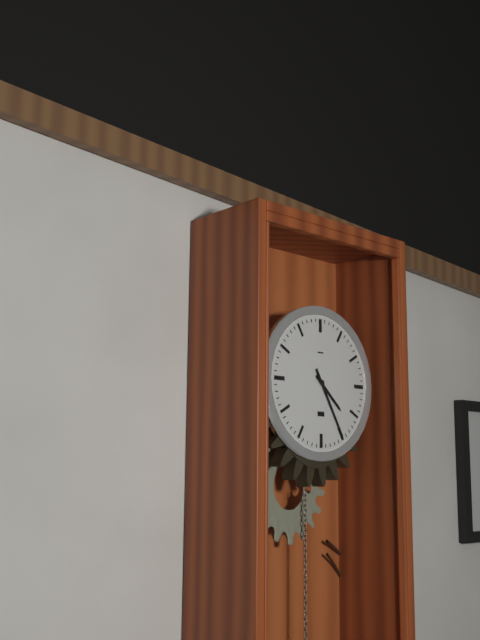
4,25
